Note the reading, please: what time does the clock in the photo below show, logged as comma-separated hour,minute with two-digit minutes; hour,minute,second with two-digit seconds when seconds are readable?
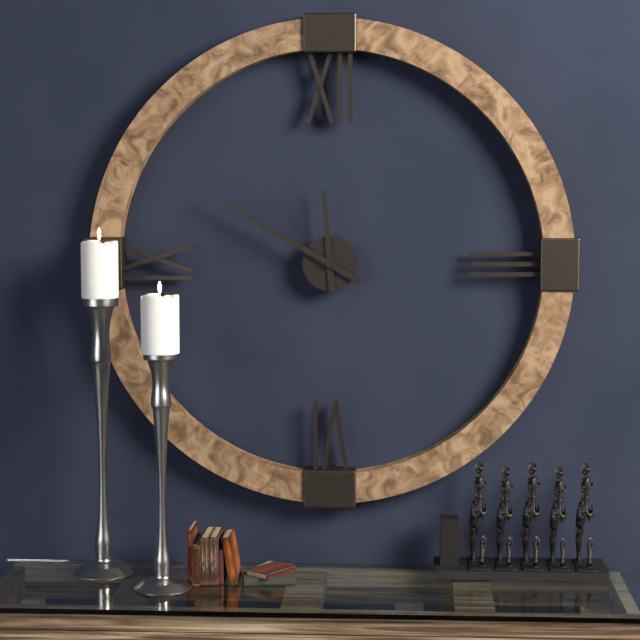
11,50
